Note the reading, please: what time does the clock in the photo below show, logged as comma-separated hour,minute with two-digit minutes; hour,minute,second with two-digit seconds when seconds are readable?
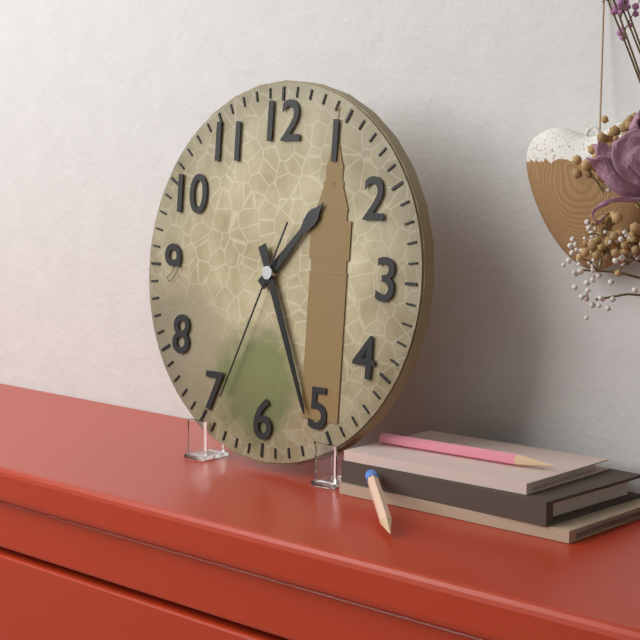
1,26,34
